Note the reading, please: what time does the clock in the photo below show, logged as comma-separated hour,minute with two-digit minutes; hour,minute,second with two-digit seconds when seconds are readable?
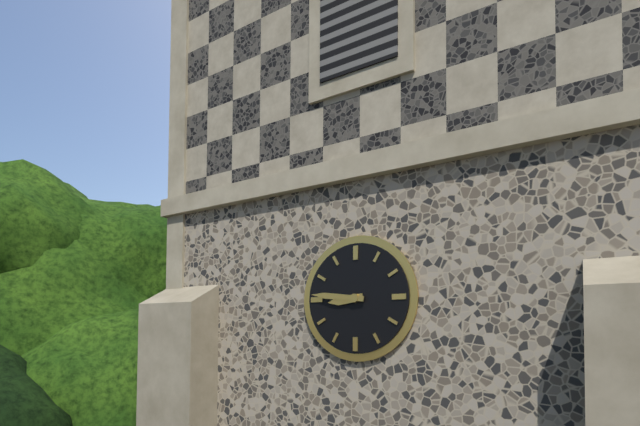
8,46
